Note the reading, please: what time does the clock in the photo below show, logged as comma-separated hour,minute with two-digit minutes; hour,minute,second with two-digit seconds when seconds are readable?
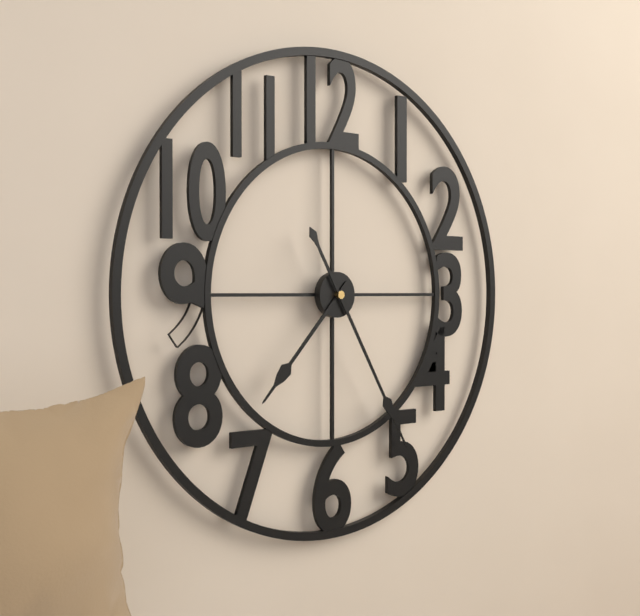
7,25
